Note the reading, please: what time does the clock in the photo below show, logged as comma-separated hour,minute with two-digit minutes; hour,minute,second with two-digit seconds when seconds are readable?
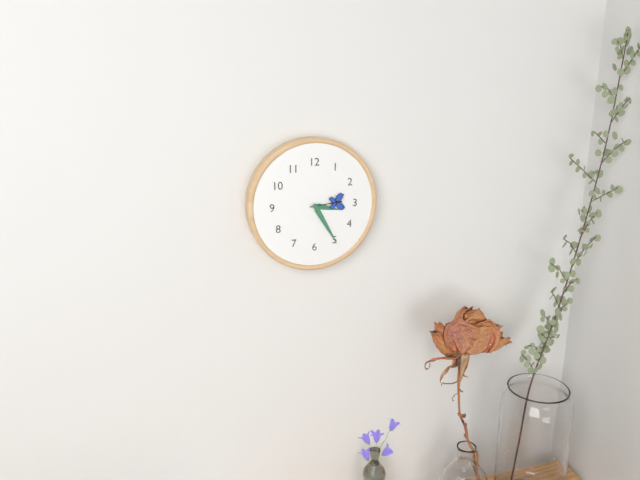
3,25
